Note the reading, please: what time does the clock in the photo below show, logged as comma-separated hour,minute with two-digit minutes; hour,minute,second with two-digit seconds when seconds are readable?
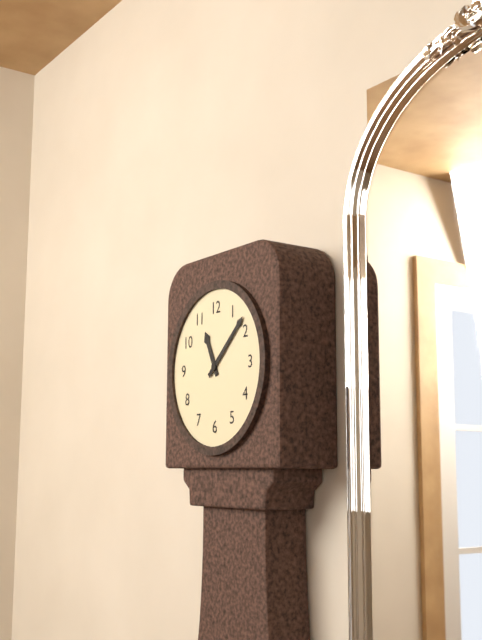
11,08
